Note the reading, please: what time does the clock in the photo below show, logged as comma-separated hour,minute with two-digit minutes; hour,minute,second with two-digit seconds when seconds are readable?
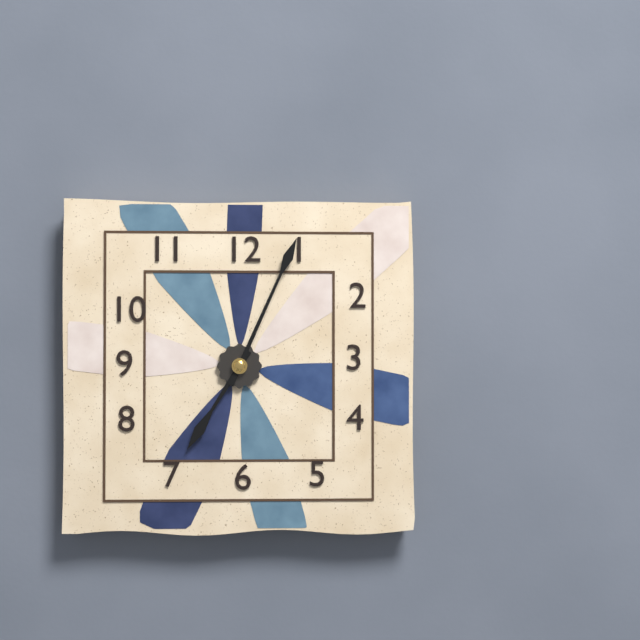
7,04
